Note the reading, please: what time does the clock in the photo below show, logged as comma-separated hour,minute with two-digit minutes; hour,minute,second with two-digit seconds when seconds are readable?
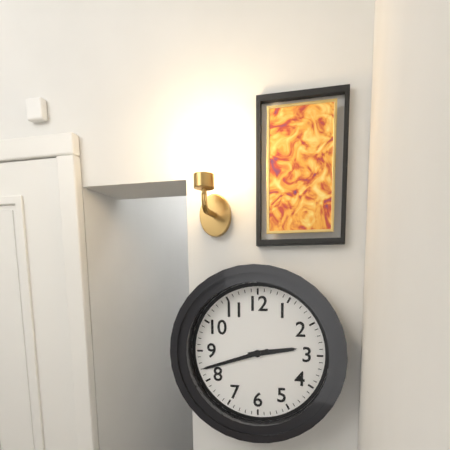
2,42
